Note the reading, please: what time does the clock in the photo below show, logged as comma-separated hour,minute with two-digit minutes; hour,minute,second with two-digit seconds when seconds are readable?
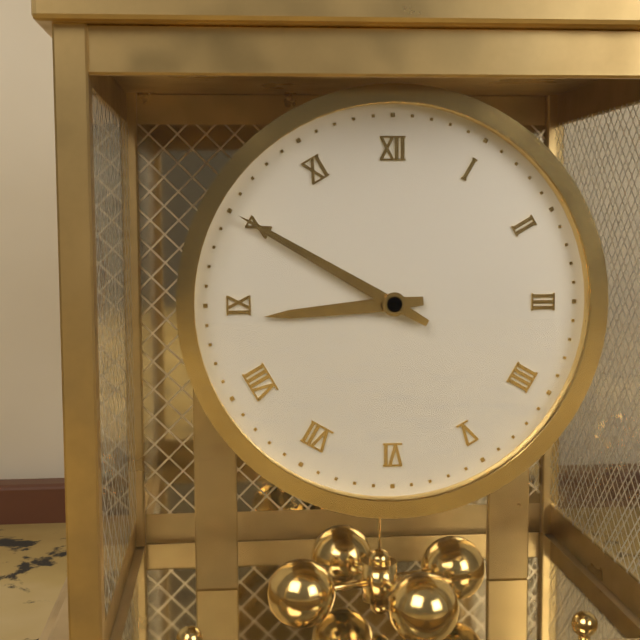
8,50
